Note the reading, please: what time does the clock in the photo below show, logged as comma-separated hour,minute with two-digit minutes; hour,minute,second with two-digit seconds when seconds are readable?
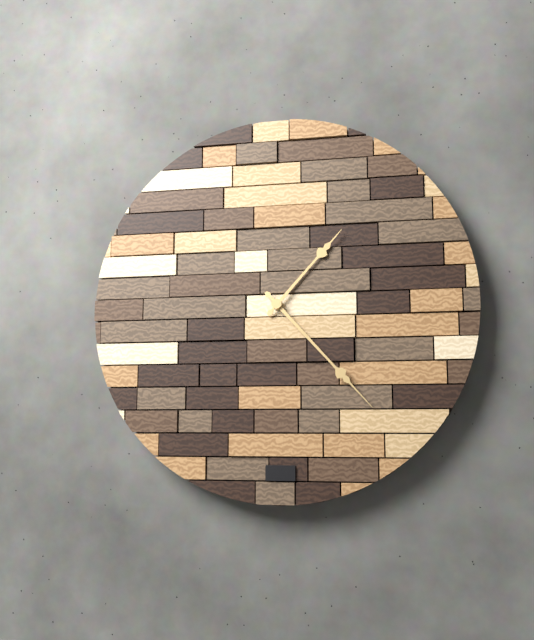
1,23
